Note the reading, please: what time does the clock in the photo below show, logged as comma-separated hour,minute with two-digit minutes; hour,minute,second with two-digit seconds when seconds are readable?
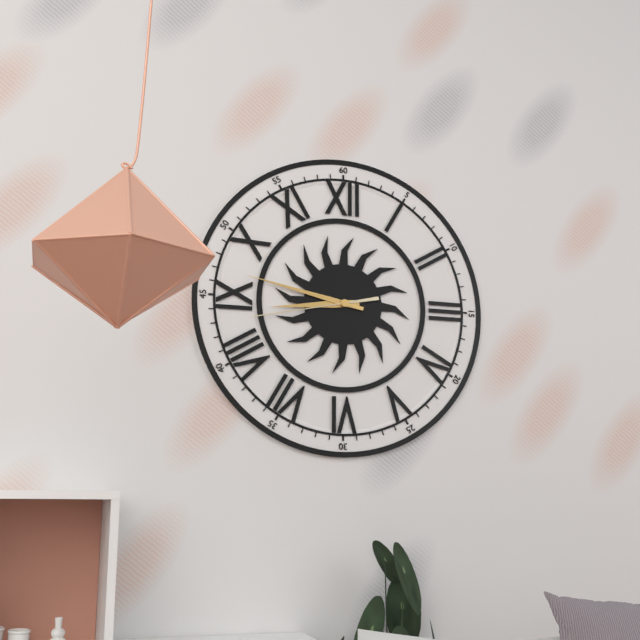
8,47,43
